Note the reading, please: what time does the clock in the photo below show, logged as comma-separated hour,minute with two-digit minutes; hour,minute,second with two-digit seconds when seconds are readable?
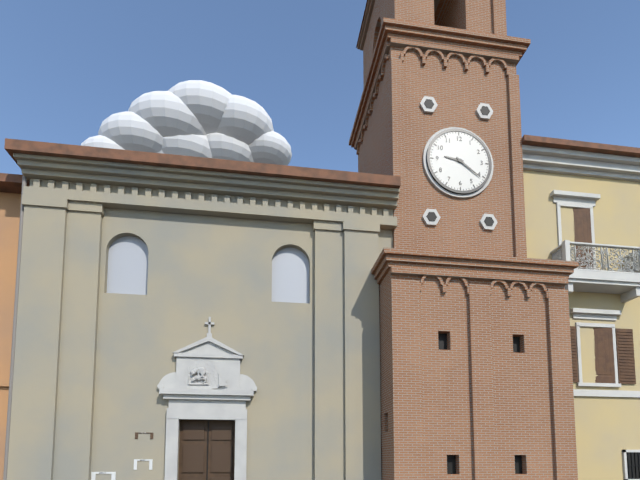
9,21
